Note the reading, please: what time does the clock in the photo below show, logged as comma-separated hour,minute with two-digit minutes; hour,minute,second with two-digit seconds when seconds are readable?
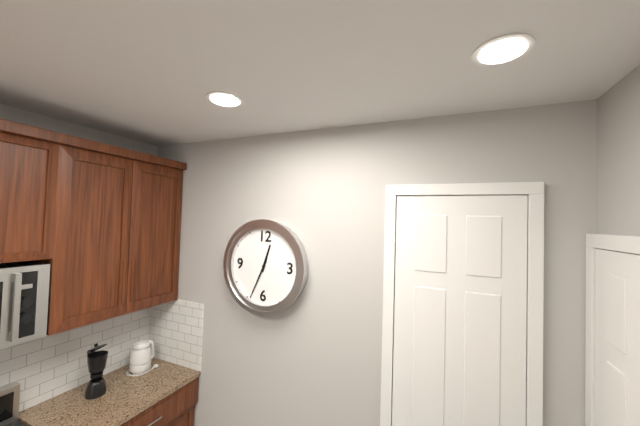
12,34
